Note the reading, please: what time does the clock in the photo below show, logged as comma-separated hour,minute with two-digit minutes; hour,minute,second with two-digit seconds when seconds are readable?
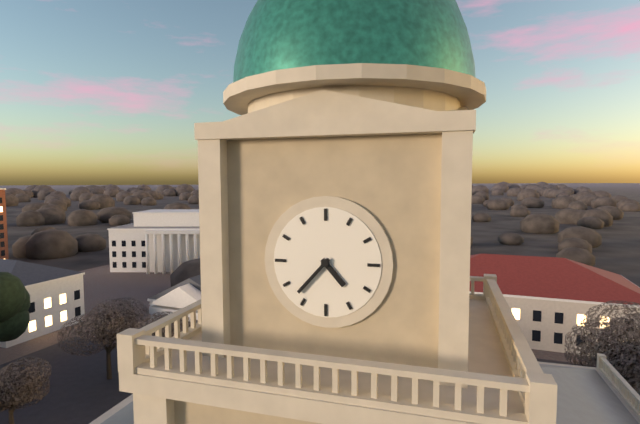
4,37
